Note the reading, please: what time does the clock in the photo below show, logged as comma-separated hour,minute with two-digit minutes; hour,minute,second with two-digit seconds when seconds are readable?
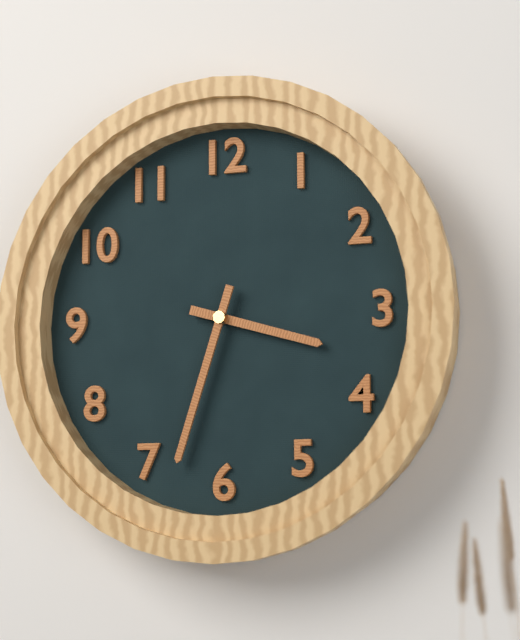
3,33
